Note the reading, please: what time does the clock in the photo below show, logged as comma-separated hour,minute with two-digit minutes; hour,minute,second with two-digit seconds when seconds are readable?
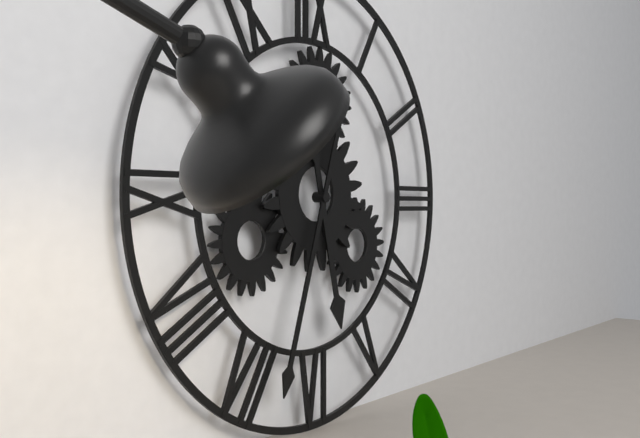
5,33
